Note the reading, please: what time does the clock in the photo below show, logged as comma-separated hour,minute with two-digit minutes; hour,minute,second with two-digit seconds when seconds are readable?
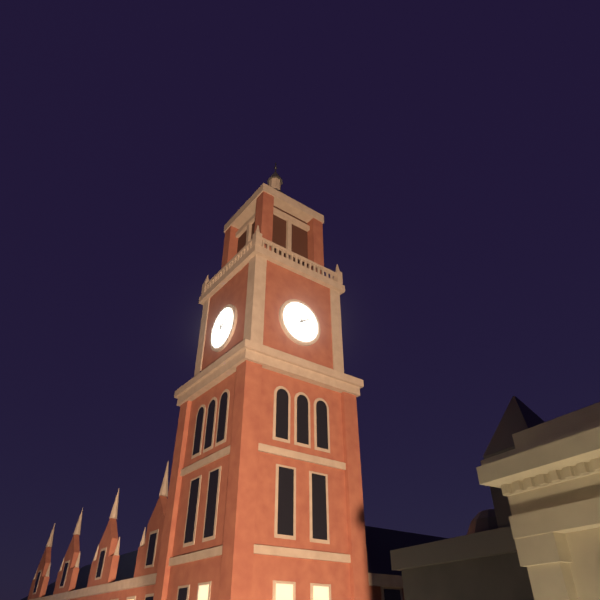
1,58
